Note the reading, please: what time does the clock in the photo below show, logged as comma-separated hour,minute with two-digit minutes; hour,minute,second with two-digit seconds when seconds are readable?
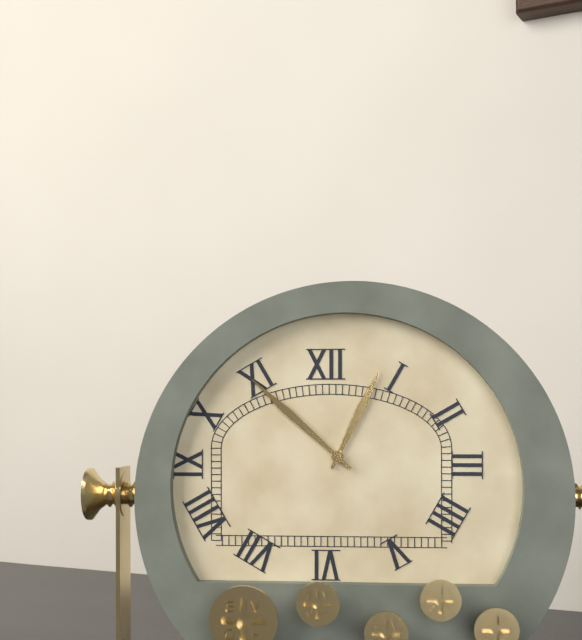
12,52
